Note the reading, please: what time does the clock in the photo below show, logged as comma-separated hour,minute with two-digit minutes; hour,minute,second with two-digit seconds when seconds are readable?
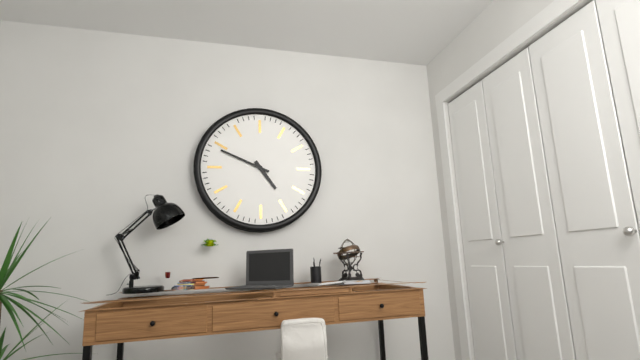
4,49
